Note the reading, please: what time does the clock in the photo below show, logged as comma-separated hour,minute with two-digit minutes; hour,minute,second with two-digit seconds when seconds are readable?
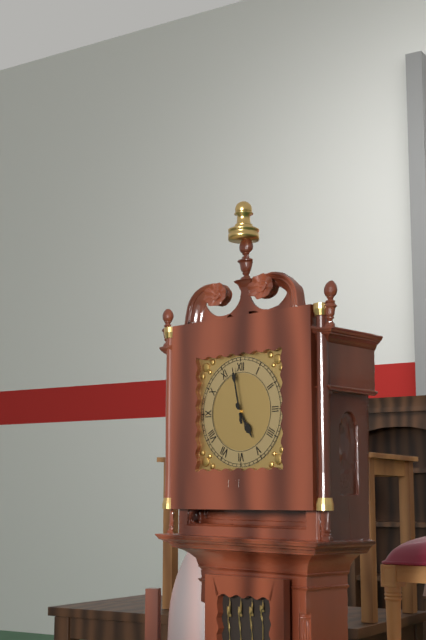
4,58
